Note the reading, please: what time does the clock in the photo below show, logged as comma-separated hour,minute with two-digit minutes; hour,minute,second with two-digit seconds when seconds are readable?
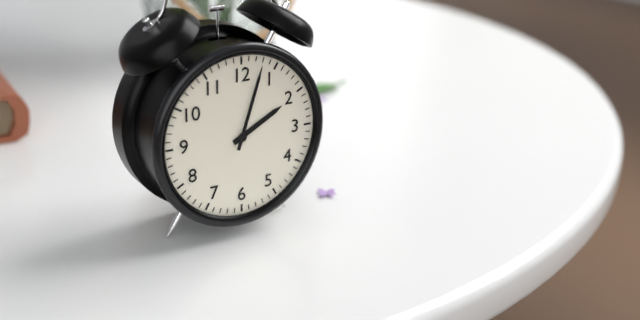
2,03
